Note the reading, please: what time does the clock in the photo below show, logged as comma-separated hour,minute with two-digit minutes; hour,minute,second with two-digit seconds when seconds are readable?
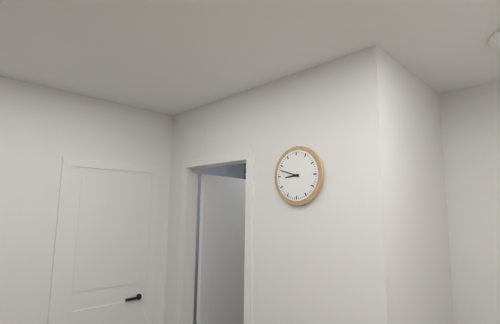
8,48
